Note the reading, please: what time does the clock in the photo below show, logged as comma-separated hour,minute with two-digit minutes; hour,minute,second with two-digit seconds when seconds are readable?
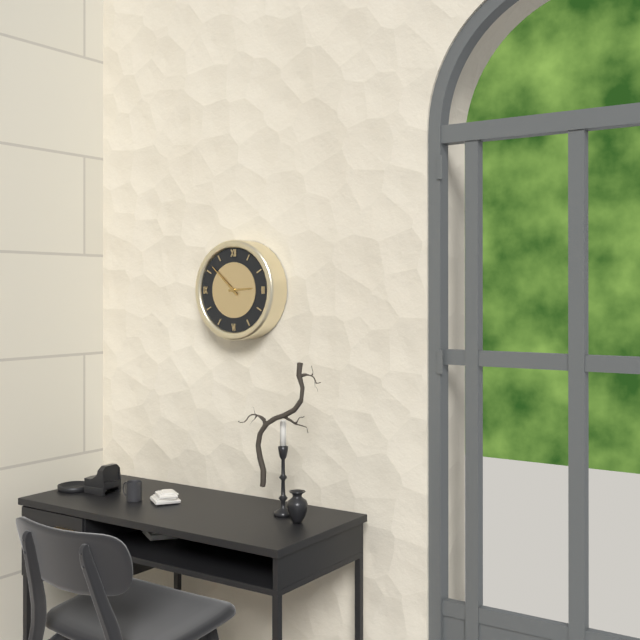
2,52
